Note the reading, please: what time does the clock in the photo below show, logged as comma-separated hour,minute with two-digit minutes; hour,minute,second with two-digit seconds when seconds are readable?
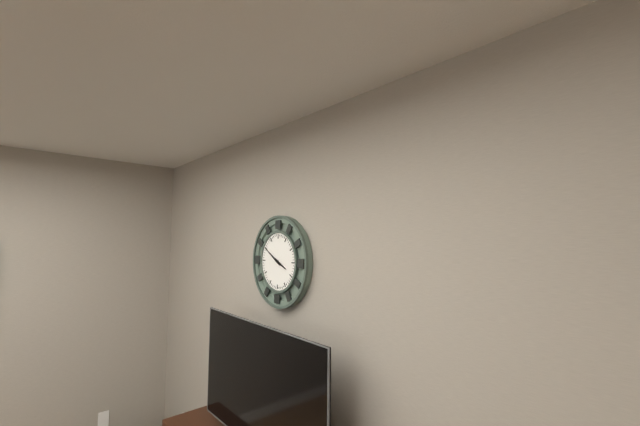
3,50
